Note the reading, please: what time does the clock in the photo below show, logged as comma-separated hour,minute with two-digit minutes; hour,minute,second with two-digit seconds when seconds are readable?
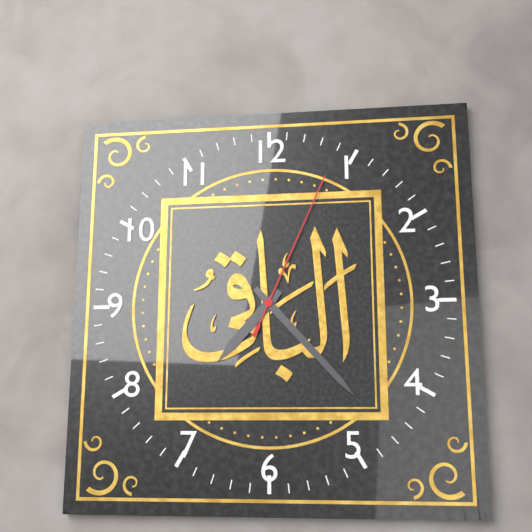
7,23,04
